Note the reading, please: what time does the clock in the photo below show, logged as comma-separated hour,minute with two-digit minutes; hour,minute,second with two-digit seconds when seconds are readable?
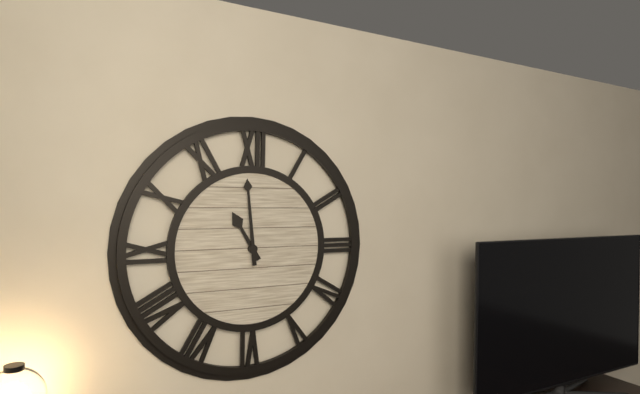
10,59
